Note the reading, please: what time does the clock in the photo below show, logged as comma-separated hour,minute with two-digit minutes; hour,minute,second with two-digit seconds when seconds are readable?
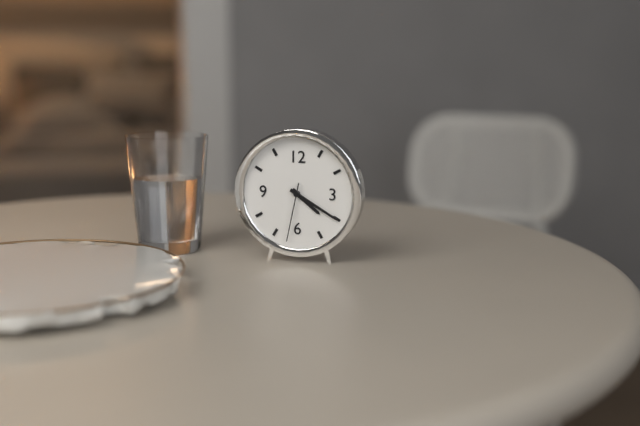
4,20,32
